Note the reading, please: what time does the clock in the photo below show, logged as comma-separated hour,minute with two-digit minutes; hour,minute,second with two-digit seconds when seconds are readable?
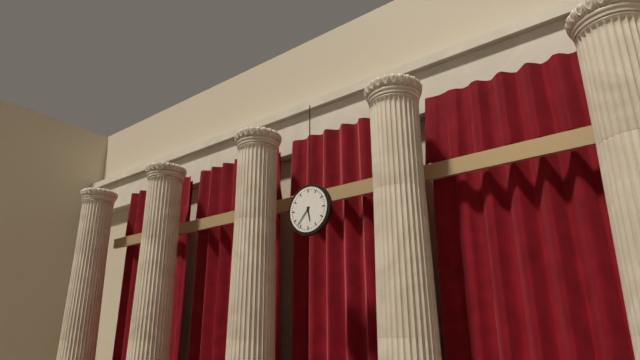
5,37
